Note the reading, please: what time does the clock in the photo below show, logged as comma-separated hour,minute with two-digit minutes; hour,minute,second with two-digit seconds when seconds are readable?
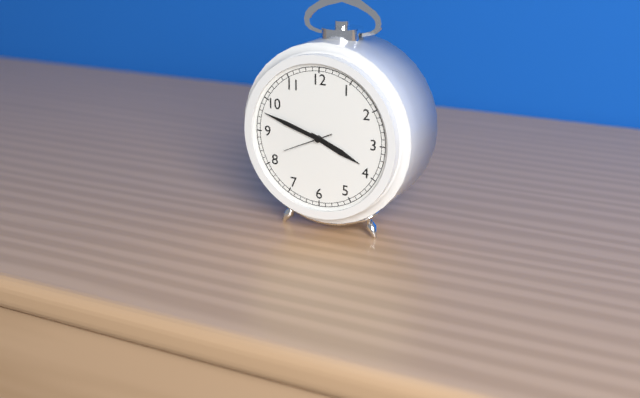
3,48
